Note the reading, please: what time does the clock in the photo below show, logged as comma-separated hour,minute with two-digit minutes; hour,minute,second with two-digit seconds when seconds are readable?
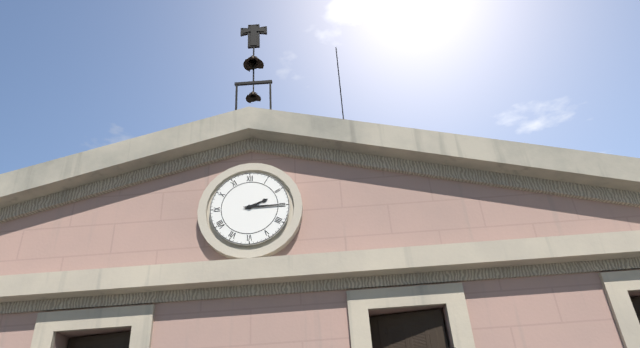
2,15
